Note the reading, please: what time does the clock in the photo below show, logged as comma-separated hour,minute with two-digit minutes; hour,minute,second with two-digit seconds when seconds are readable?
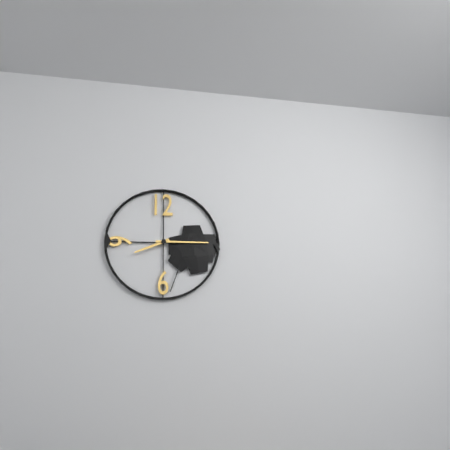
8,15
